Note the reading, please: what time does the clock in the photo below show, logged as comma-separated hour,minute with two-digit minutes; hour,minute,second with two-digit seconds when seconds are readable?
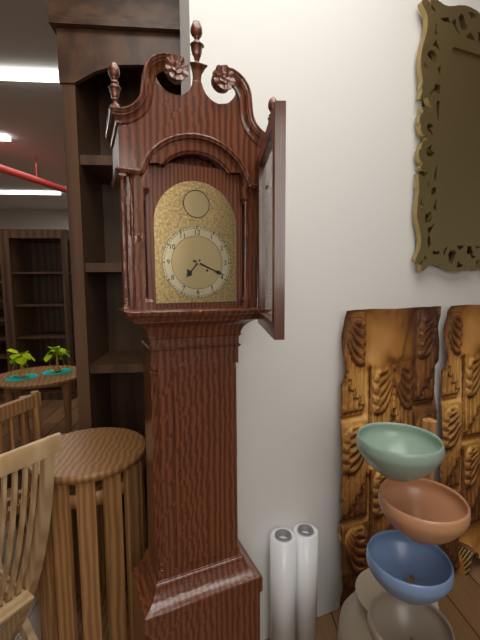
7,19
